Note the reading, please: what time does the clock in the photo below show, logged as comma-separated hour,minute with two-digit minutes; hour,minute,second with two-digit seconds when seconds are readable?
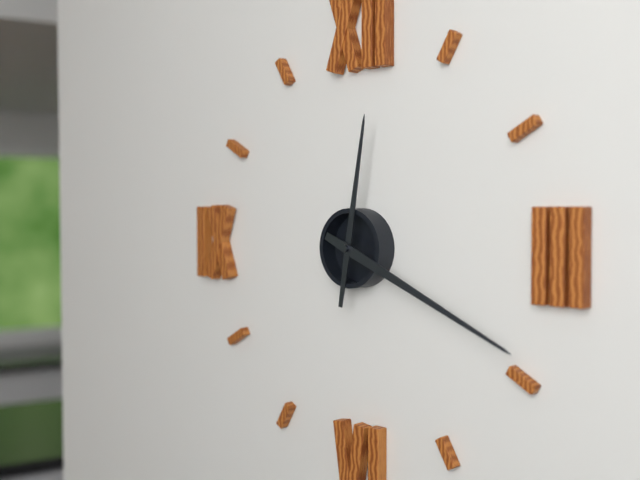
12,19
